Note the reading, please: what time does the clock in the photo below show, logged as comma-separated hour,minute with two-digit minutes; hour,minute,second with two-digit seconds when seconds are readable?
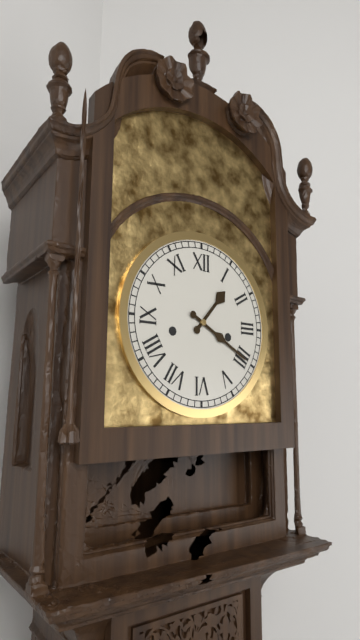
1,20
